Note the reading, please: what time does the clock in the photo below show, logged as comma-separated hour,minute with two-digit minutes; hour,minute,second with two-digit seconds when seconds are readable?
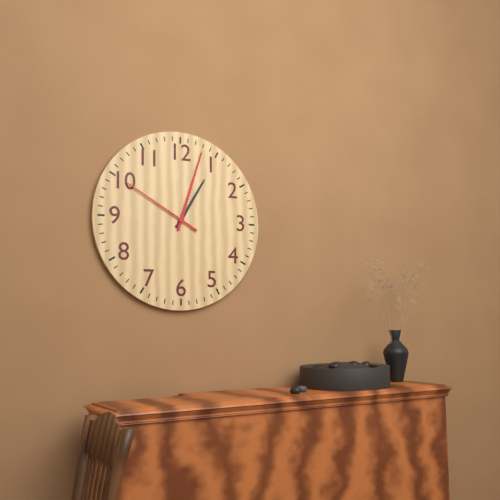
1,03,50
